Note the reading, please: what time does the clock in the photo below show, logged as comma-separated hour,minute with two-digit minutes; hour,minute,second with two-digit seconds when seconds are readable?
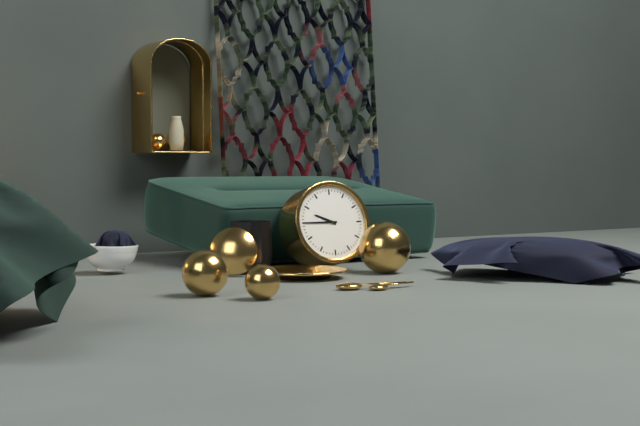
9,45
